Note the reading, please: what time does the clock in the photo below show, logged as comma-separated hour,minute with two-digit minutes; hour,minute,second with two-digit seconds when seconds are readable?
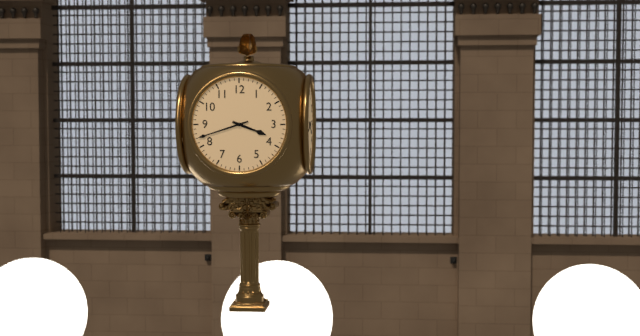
3,42
